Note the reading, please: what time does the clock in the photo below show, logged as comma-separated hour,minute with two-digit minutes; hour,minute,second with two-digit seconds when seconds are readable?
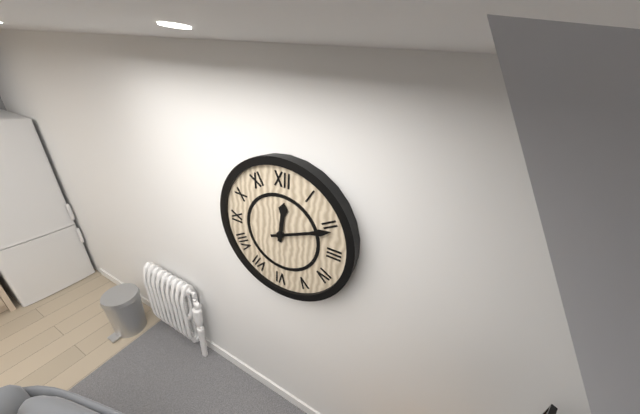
12,11
